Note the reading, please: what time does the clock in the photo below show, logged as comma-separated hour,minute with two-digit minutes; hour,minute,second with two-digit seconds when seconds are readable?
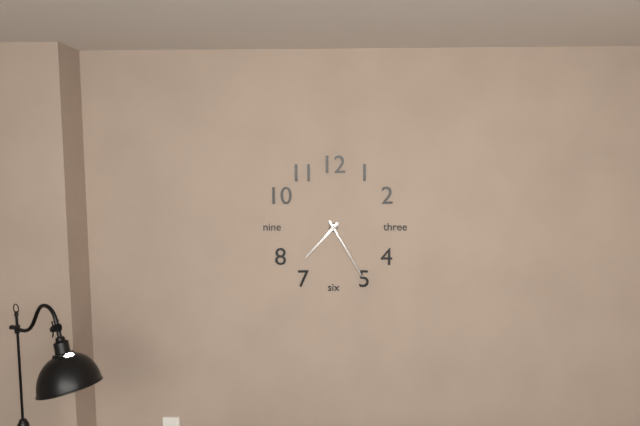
7,25
